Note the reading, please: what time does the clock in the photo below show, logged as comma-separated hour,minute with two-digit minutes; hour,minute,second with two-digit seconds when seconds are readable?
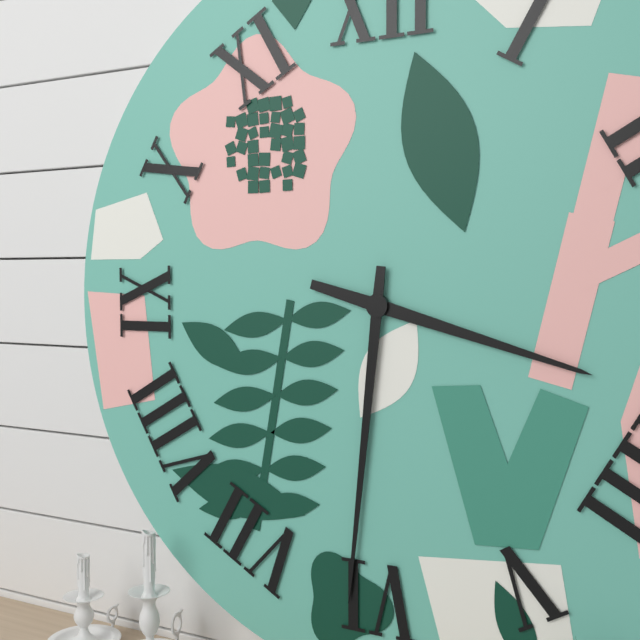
3,31
